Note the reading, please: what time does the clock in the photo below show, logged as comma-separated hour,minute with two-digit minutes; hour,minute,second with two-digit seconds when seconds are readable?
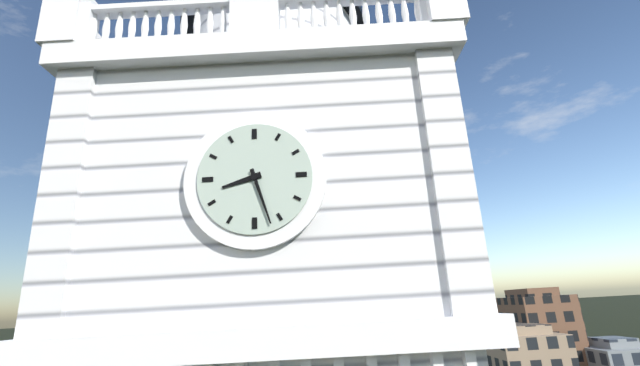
8,27
